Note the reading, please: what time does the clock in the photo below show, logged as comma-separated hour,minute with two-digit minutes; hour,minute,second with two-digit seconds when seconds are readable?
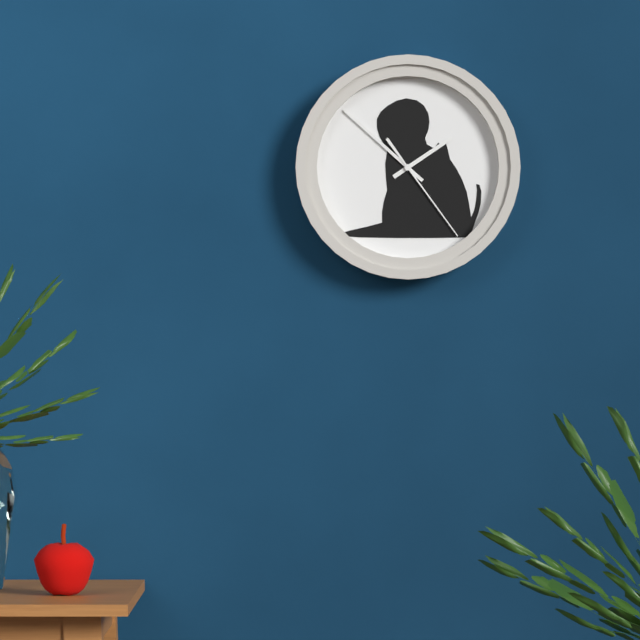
1,52,24
